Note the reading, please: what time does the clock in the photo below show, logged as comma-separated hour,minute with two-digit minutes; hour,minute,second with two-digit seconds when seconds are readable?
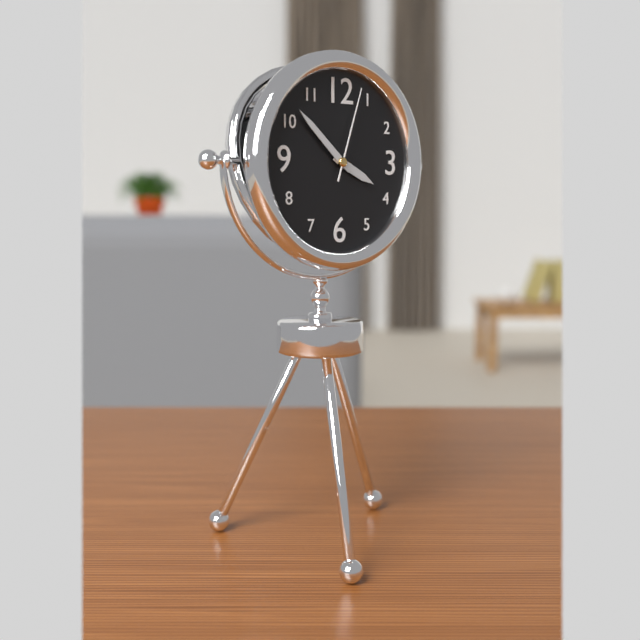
3,52,03
